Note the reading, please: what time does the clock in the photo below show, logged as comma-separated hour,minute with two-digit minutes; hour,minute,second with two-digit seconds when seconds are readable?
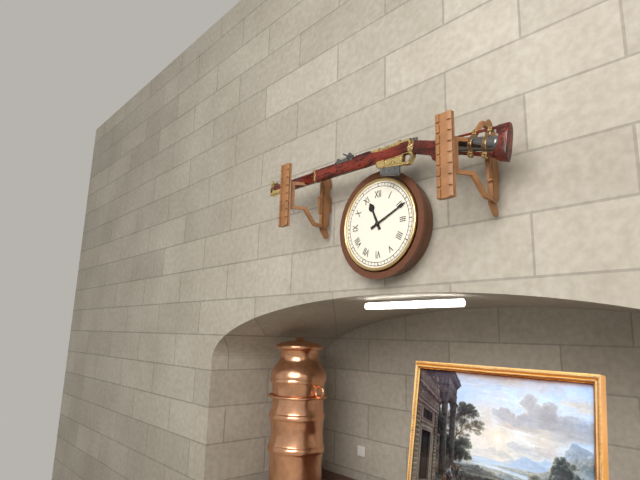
11,11
